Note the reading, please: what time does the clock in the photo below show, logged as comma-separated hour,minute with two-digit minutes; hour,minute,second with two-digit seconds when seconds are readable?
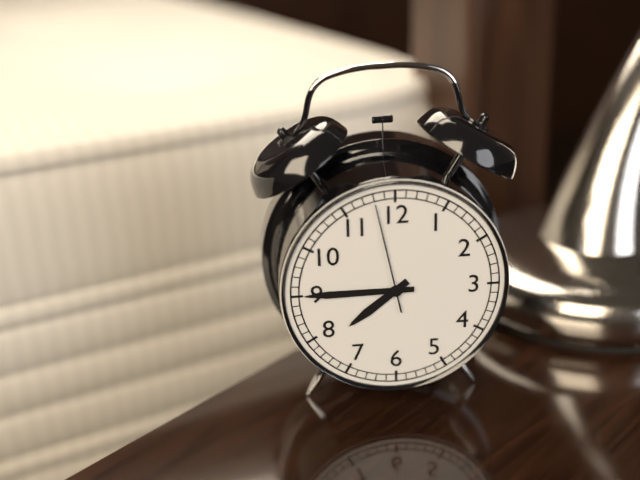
7,45,58
